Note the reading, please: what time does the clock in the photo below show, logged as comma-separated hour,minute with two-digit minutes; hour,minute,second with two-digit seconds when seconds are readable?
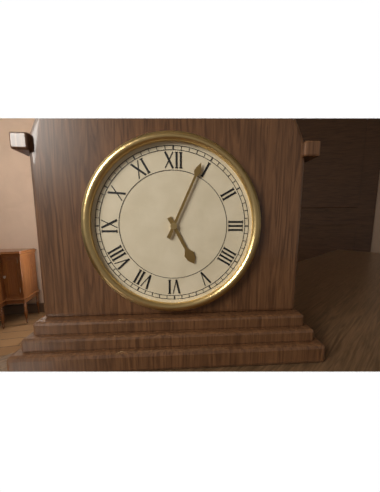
5,04
